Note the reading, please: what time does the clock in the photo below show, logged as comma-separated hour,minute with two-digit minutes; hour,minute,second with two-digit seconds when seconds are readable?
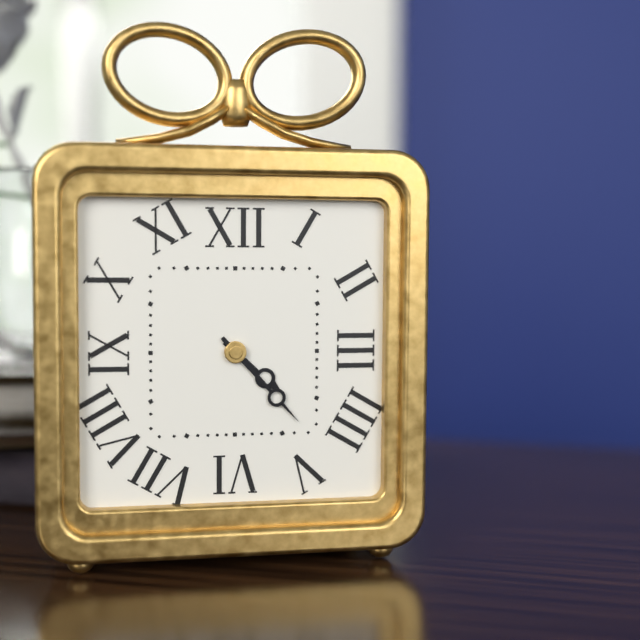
4,23
